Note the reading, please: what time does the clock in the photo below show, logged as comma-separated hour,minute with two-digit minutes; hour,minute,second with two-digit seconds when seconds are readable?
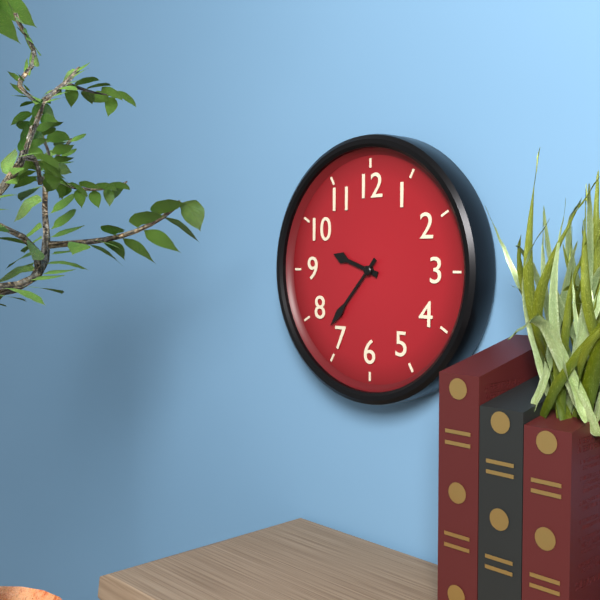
9,37
